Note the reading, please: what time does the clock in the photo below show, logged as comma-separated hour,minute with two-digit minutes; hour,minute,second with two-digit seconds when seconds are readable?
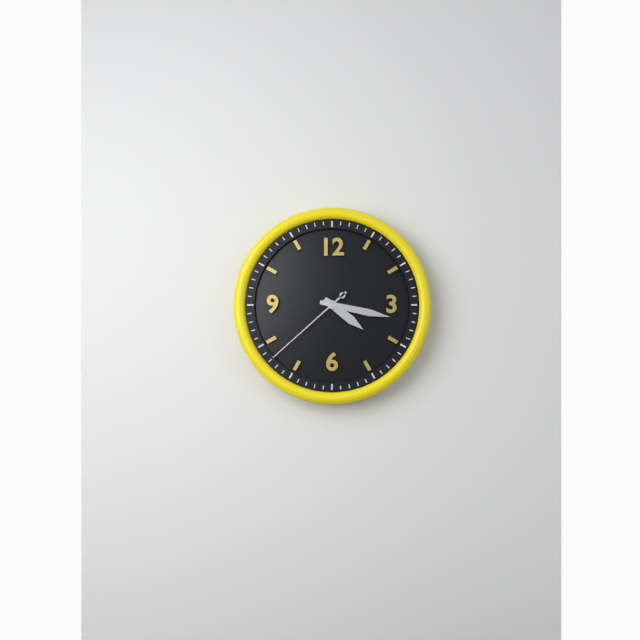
4,17,38
